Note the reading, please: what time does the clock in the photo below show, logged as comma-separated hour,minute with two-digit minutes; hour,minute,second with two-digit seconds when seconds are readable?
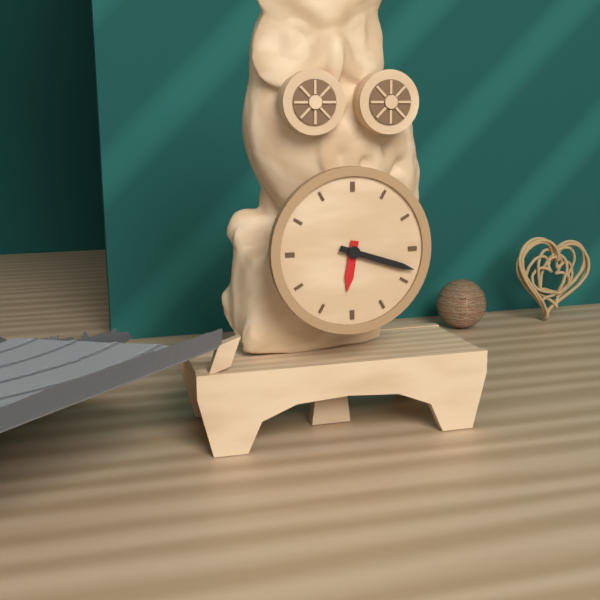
6,18
